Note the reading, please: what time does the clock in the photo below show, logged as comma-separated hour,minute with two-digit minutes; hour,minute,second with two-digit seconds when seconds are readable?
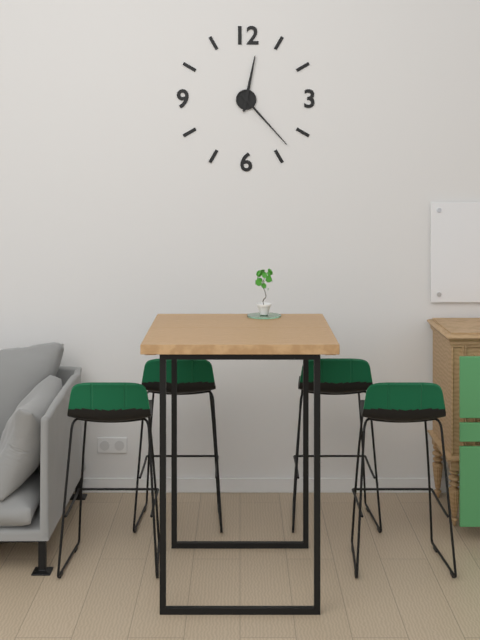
12,23
